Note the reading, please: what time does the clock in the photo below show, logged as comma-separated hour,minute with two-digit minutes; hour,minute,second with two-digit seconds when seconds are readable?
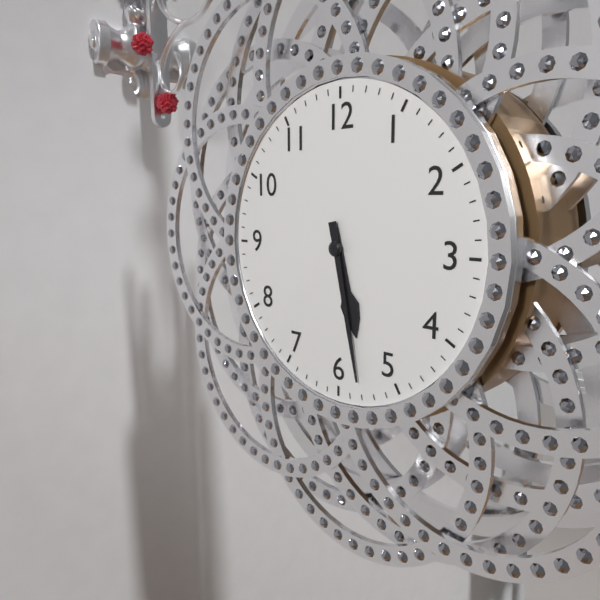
5,28
